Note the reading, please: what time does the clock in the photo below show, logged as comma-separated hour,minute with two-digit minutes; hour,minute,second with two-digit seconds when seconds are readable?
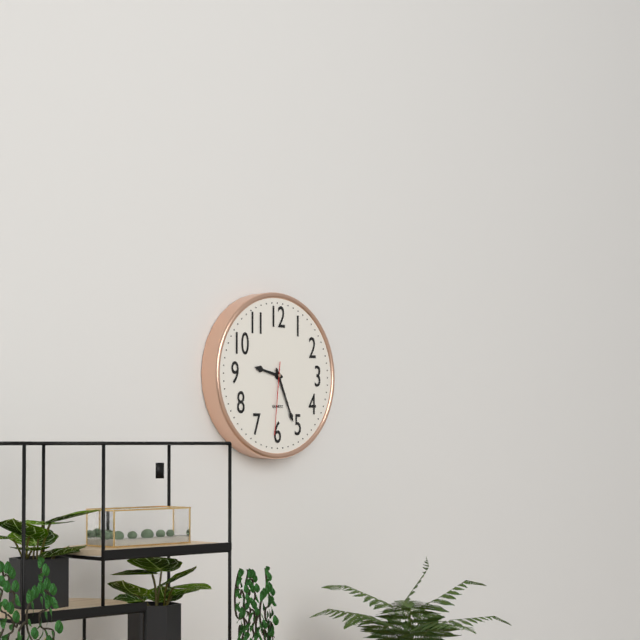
9,26,31
